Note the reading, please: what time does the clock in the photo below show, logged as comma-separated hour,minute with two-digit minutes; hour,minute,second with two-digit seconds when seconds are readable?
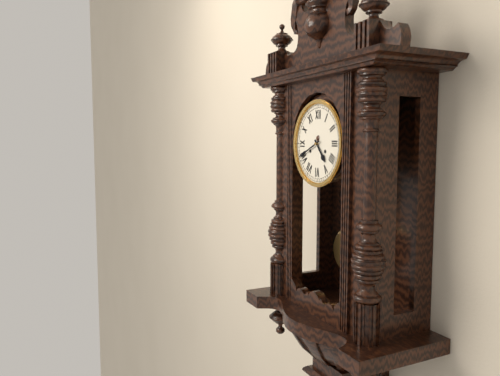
4,41
